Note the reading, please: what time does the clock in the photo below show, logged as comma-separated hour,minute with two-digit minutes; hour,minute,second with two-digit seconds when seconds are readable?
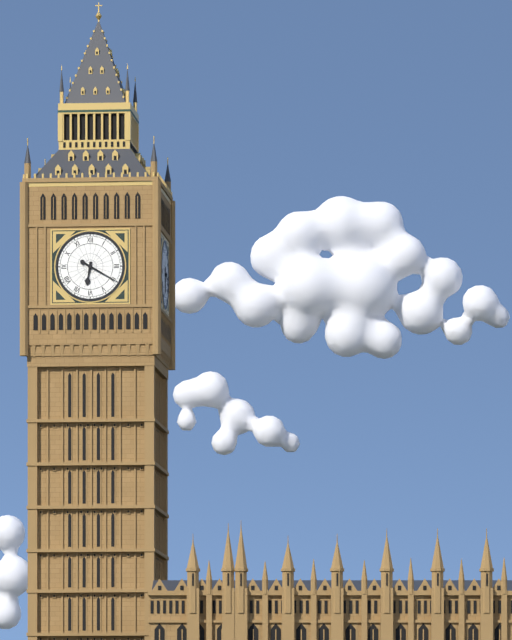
6,20
